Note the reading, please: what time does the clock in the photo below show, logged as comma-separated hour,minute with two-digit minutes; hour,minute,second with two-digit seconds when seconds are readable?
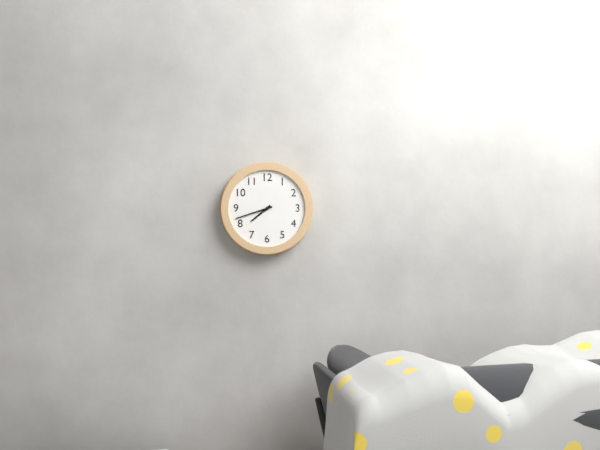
7,42
